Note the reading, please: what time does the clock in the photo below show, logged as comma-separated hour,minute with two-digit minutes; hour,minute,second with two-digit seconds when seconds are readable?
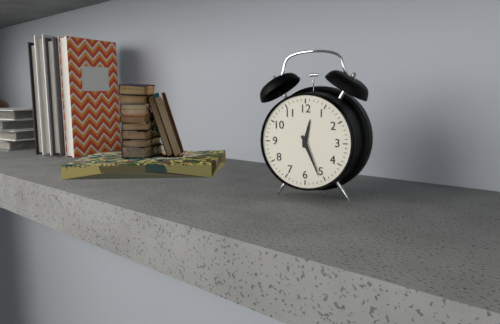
12,26
